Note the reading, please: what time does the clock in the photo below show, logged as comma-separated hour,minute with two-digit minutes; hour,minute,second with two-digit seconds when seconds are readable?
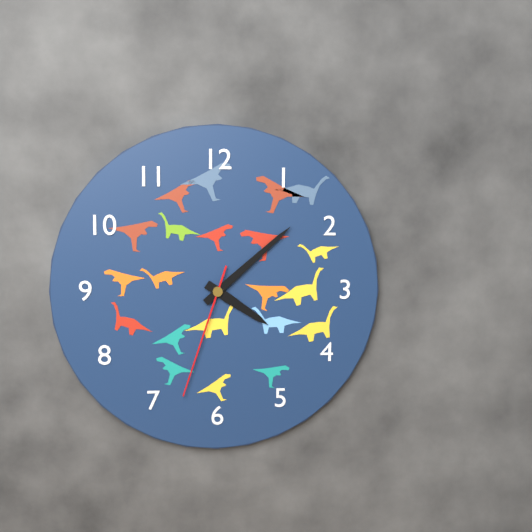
4,08,33
